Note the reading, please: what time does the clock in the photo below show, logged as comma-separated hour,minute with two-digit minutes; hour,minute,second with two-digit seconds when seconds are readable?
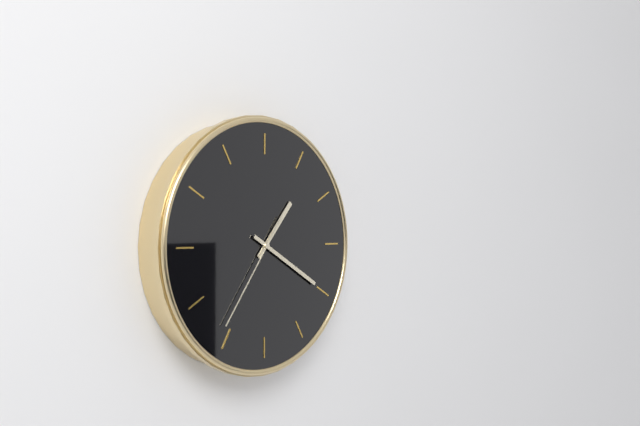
1,20,36
